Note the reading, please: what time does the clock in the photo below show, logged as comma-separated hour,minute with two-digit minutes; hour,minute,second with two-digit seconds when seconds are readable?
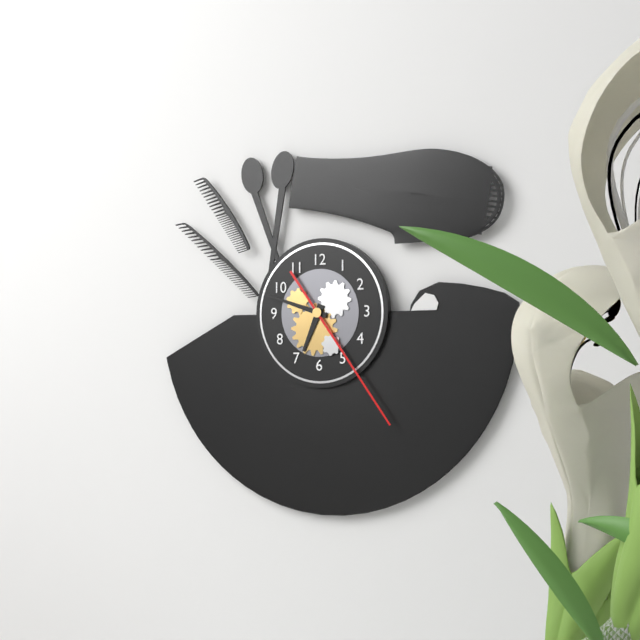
6,48,24
